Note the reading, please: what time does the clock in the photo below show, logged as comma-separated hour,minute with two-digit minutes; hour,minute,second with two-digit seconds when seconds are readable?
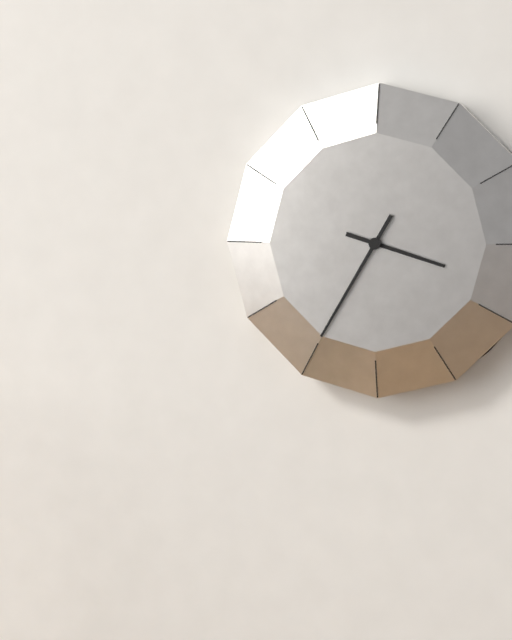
3,35
